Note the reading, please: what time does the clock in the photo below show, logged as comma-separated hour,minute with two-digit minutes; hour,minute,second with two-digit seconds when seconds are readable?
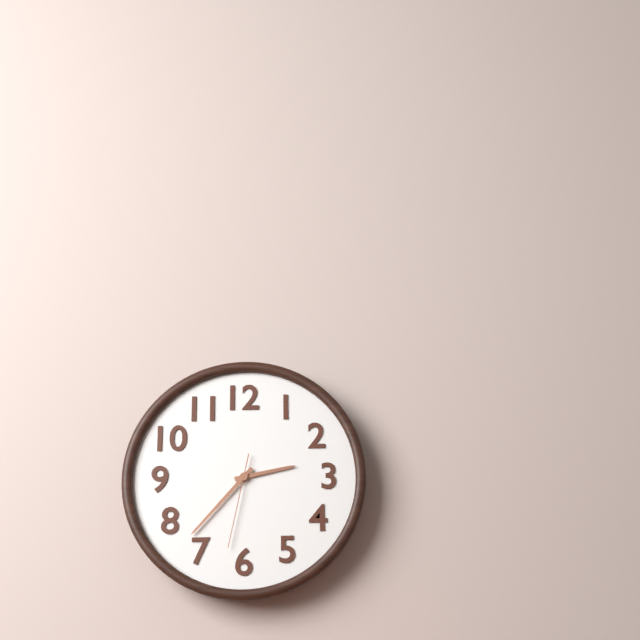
2,37,32
